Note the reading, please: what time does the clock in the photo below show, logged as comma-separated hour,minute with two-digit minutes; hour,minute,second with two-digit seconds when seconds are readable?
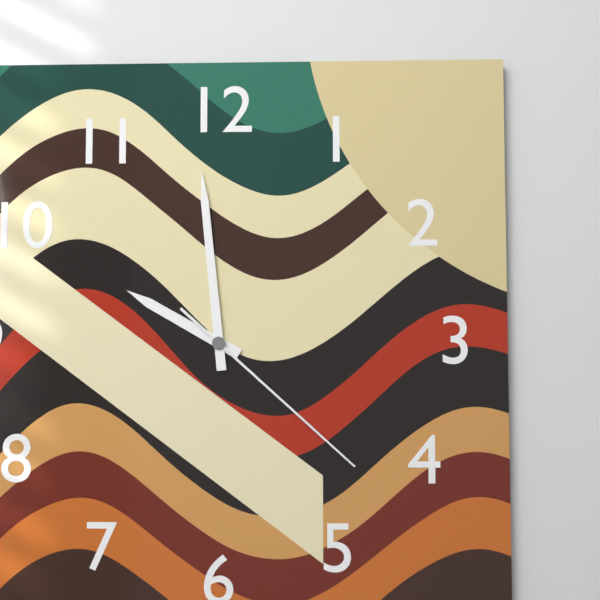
9,59,22
